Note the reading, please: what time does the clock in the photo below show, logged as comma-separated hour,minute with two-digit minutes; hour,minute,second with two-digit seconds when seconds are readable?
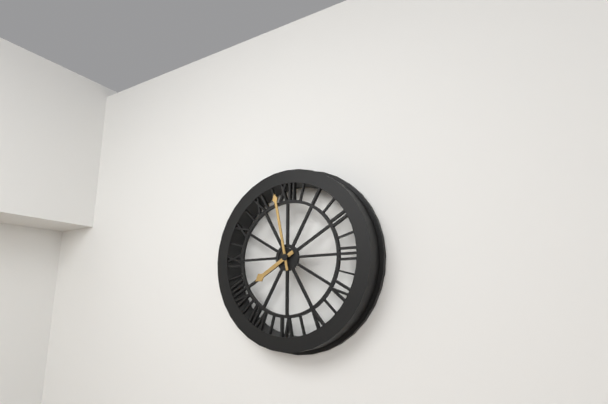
7,58
